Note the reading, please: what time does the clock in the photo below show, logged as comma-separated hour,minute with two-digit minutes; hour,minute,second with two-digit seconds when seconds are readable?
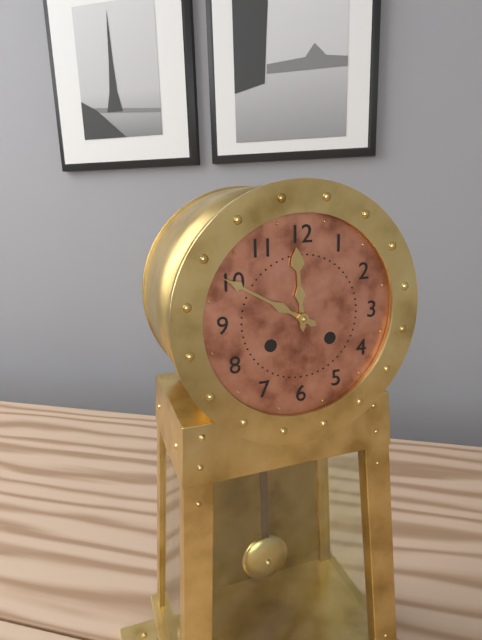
11,50
